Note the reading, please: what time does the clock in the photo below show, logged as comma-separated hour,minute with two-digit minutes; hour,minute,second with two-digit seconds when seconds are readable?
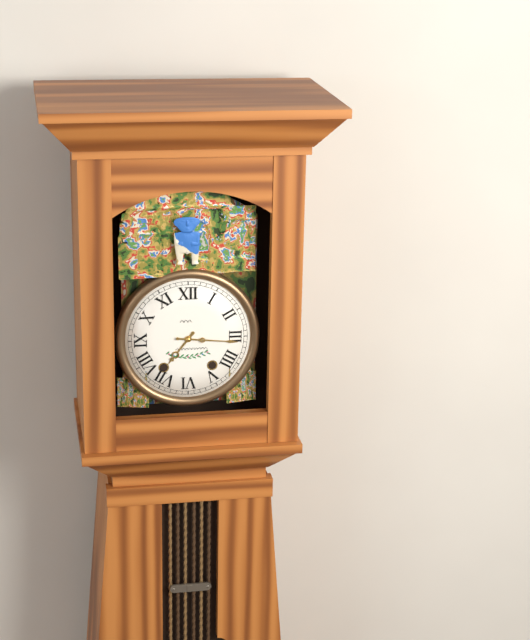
7,16
